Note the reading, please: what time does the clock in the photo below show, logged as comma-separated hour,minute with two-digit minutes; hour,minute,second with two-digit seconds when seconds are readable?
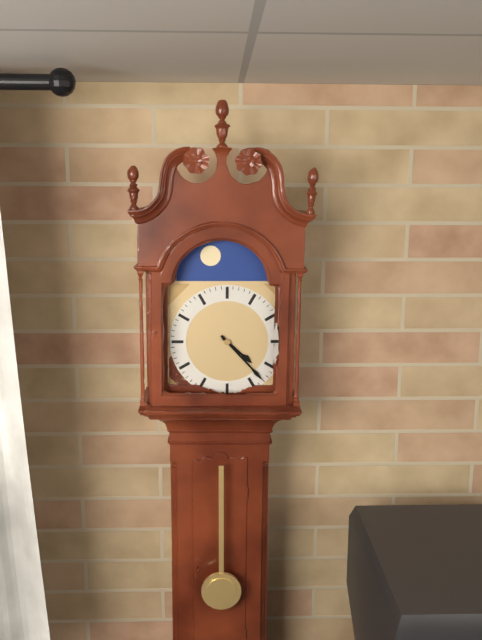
4,23
